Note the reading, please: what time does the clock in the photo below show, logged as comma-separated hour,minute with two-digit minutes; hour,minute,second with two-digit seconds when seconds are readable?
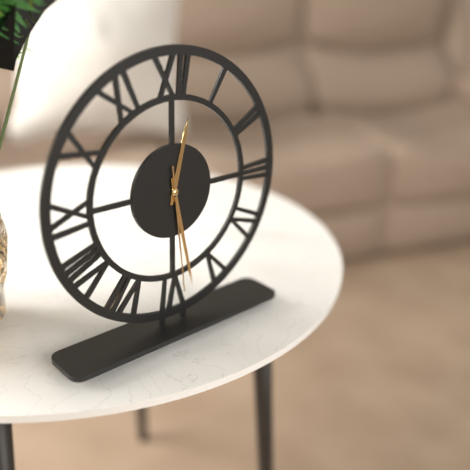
12,28,29
